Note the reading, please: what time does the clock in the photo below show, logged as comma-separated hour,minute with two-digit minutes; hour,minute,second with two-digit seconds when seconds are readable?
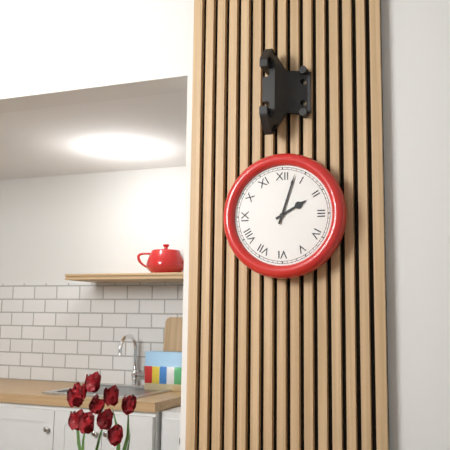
2,03
